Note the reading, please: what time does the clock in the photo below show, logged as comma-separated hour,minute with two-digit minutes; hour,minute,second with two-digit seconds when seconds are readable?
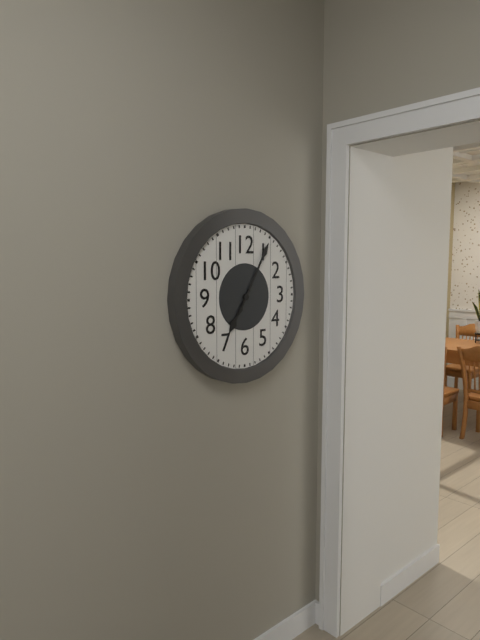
7,05
